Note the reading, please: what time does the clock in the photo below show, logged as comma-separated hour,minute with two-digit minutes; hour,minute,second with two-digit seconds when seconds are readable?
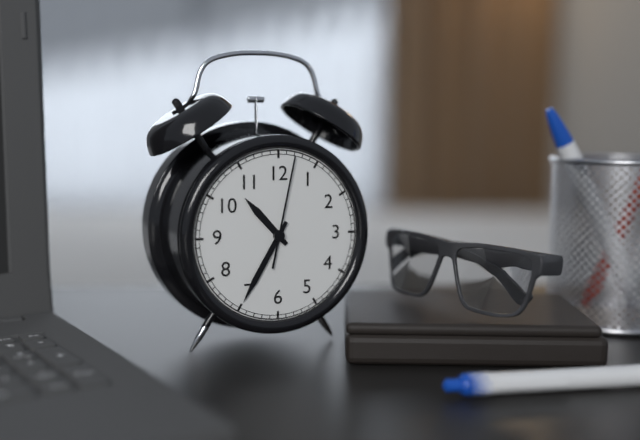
10,35,02
